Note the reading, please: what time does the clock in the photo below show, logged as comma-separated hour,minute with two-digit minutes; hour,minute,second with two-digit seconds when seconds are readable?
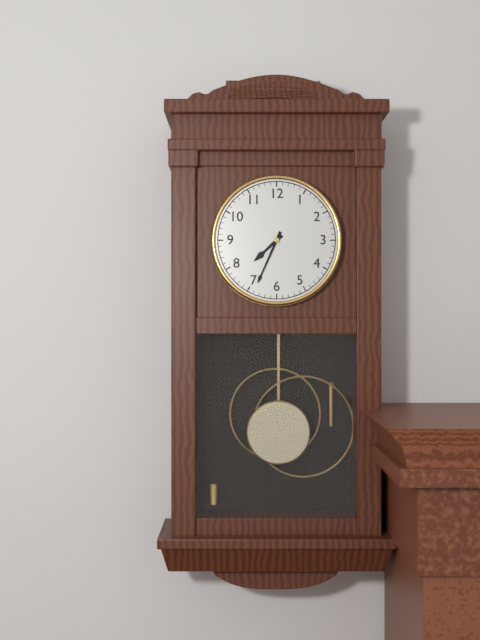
7,34
